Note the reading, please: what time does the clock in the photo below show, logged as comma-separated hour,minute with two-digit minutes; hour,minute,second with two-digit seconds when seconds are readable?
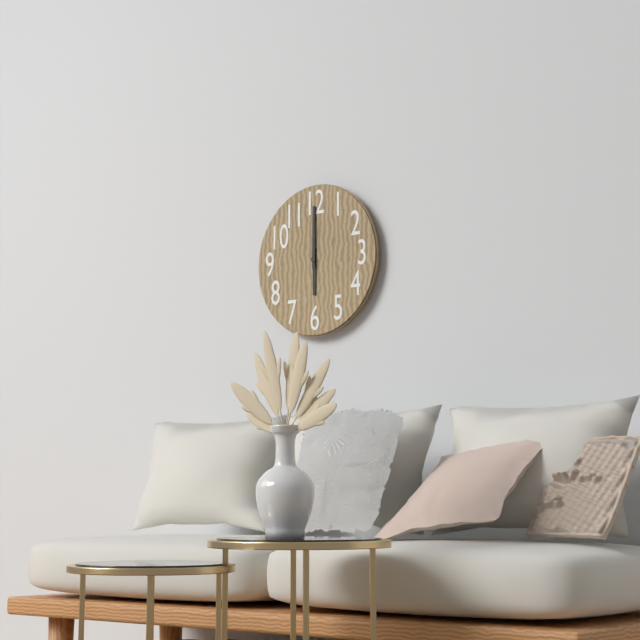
6,00
